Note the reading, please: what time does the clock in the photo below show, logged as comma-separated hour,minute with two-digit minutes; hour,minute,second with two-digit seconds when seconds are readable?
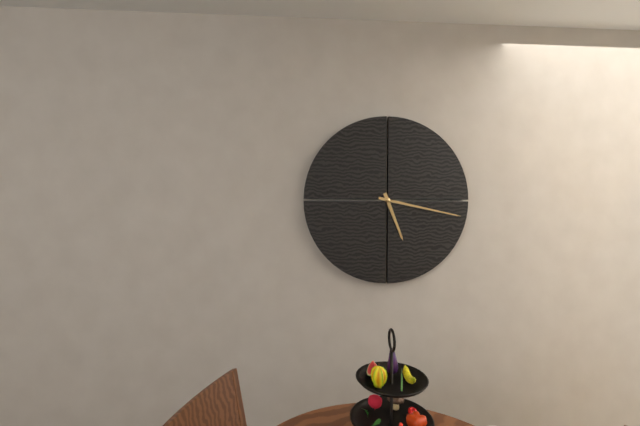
5,17
